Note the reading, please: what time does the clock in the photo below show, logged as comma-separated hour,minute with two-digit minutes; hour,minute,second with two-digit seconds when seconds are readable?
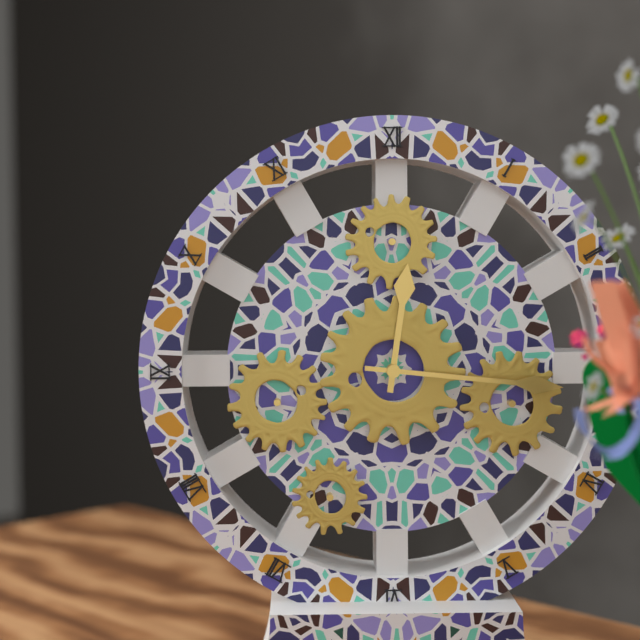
12,16
